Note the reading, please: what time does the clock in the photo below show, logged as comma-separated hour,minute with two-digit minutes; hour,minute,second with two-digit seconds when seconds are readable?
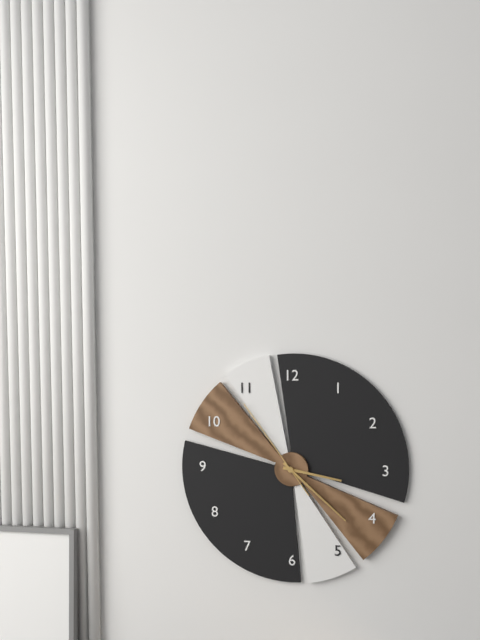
3,22,54
